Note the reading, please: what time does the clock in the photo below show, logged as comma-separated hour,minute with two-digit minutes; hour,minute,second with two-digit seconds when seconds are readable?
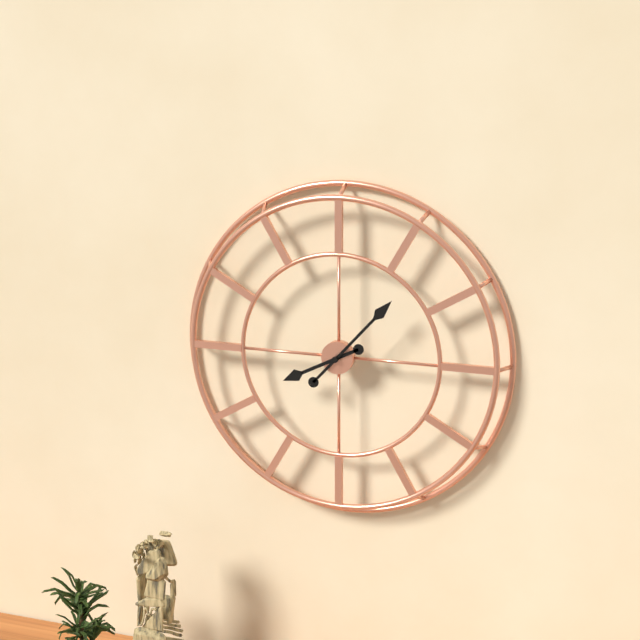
8,07
